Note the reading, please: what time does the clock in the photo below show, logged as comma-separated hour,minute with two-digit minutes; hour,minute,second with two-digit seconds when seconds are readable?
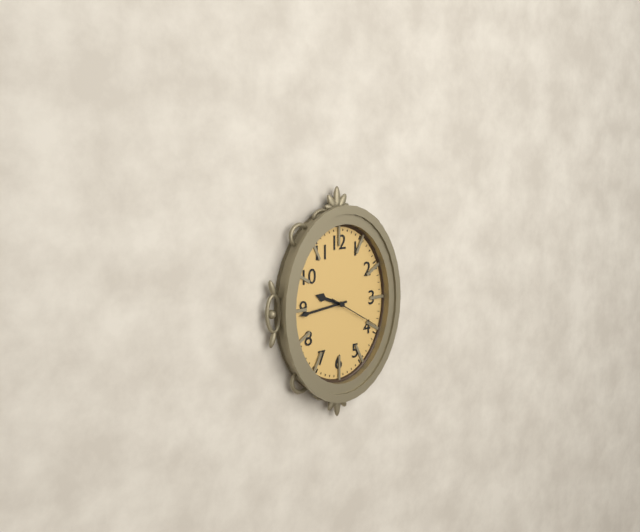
9,44,20
